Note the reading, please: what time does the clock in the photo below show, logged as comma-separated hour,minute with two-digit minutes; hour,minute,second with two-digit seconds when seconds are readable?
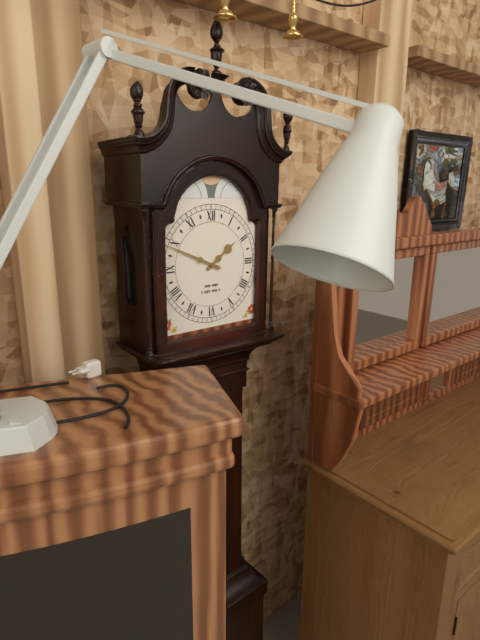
1,49
